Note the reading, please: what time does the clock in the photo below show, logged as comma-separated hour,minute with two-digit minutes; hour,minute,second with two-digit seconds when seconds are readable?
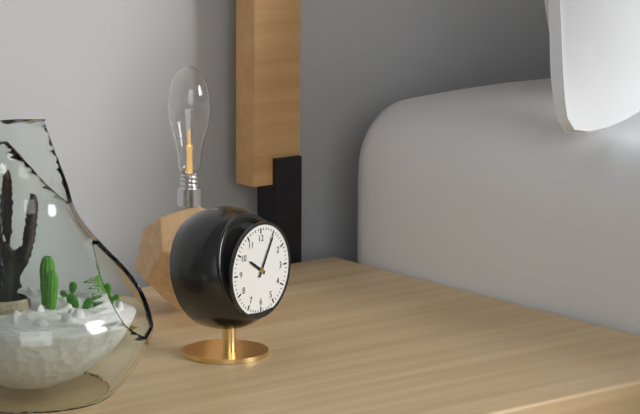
10,05
